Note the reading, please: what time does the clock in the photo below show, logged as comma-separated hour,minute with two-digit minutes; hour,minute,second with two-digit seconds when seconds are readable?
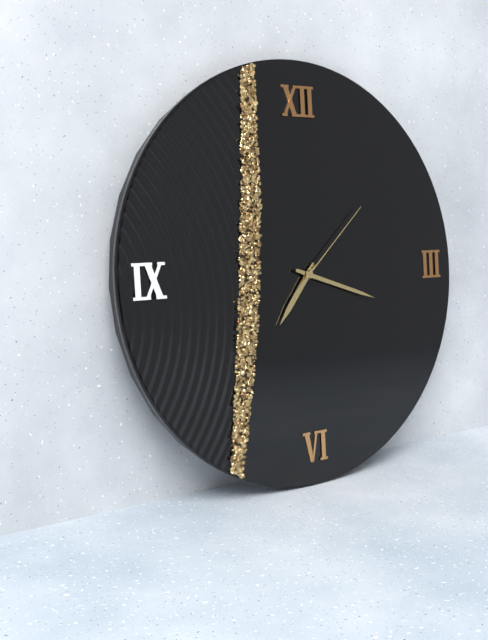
7,18,08
